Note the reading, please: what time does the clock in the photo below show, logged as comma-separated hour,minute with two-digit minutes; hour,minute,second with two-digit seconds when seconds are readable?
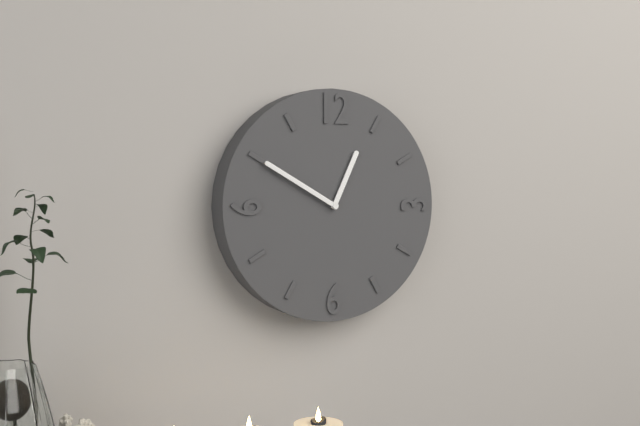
12,50
